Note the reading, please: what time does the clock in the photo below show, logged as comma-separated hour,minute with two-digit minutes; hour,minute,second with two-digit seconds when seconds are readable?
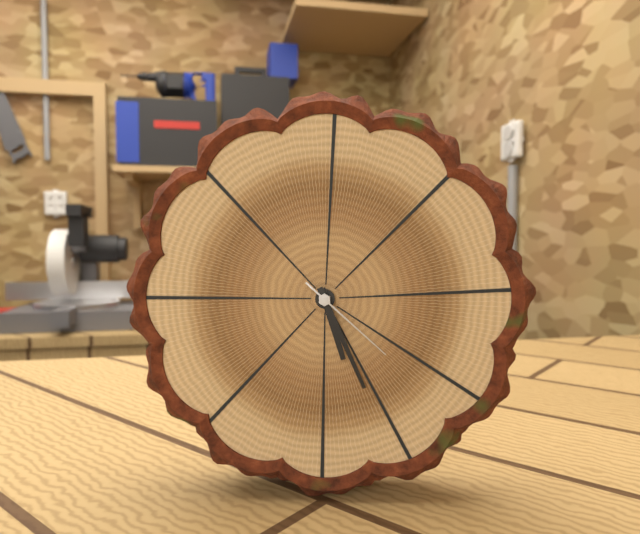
5,26,22
